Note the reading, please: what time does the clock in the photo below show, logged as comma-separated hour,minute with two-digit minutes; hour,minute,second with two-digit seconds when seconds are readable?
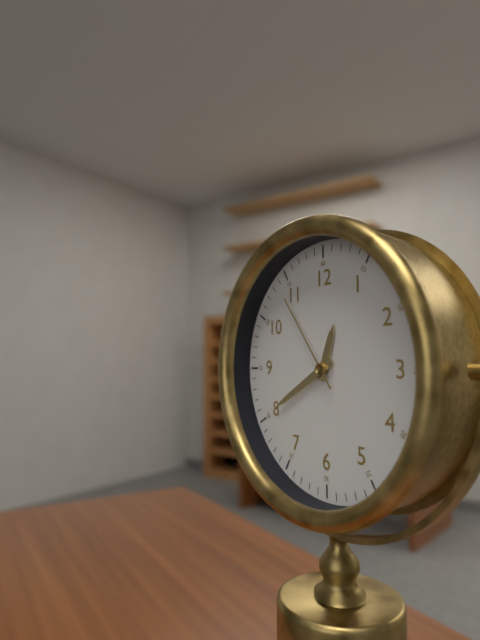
12,40,54
